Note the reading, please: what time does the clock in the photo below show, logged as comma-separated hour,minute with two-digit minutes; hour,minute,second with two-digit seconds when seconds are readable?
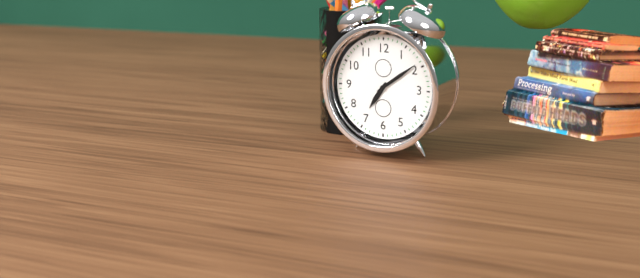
7,09
